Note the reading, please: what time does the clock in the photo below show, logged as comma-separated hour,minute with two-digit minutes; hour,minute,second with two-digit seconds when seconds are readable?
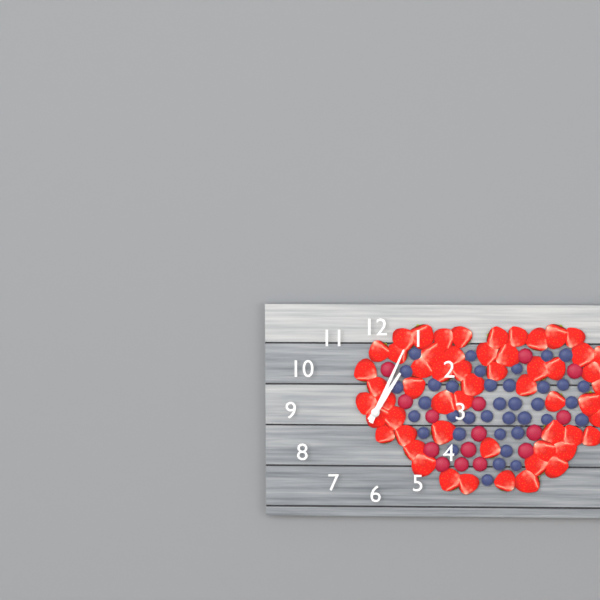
1,04
